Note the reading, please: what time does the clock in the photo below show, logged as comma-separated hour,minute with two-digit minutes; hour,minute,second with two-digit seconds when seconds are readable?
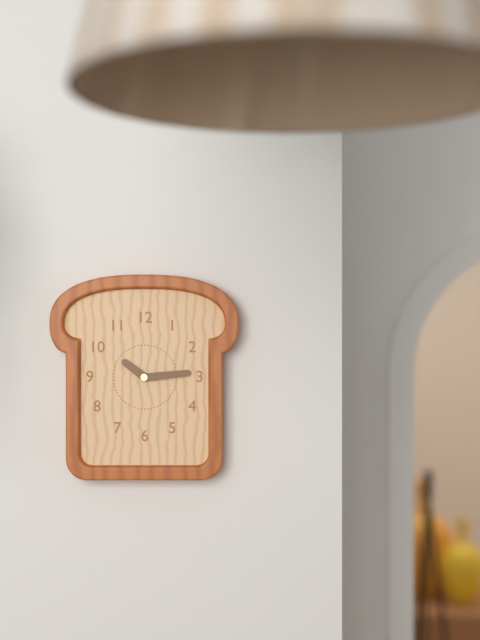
10,14
